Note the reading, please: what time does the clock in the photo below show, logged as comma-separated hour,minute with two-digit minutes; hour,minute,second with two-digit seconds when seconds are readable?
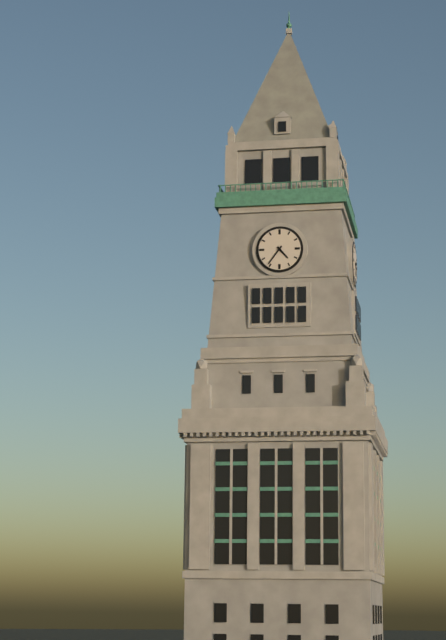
4,36
